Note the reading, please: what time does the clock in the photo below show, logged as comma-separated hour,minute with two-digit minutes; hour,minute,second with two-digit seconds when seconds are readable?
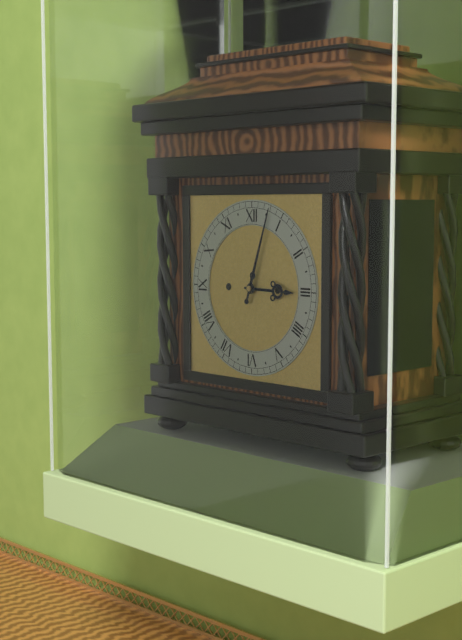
3,03
